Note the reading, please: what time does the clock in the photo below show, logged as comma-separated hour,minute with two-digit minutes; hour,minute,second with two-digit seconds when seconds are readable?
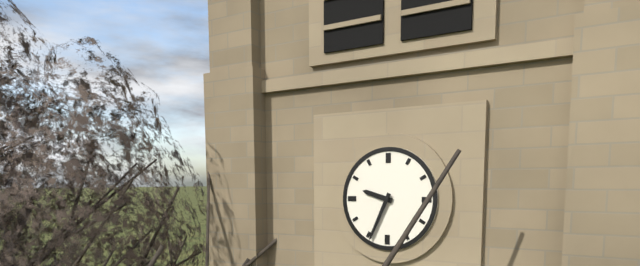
9,34
